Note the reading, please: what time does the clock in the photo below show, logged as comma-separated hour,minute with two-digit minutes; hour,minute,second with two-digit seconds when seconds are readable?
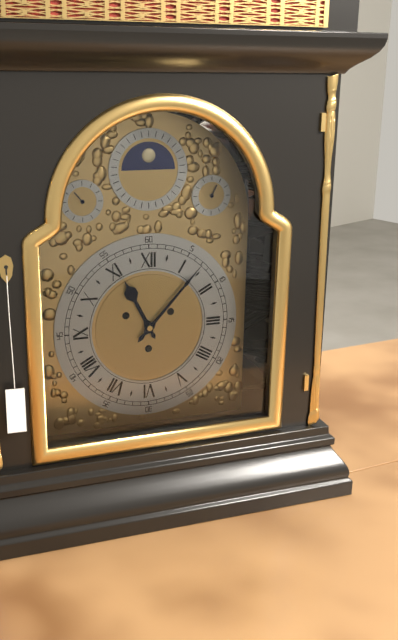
11,07
